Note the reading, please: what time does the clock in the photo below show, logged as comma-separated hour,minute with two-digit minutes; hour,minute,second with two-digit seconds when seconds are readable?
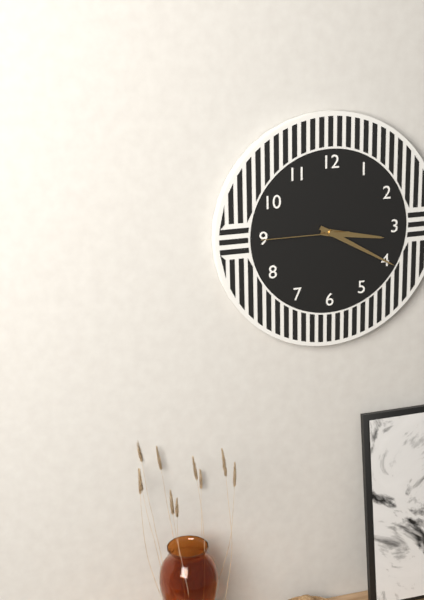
3,20,45
